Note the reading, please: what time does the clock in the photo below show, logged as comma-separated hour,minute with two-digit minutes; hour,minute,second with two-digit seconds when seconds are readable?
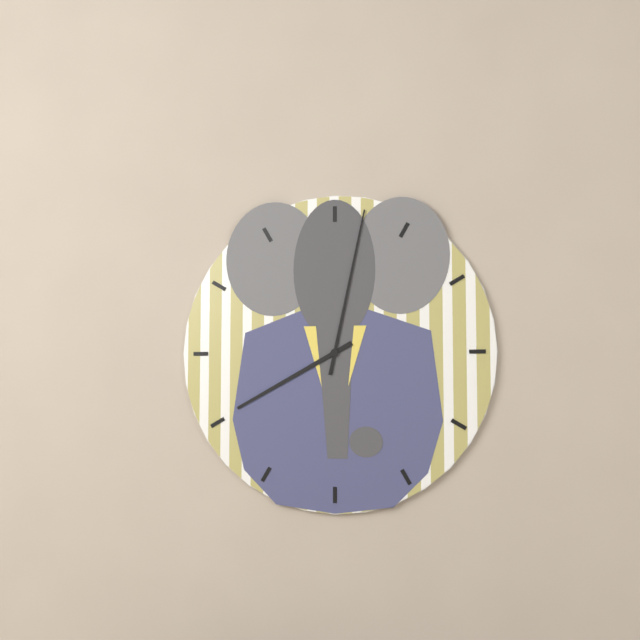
8,02
